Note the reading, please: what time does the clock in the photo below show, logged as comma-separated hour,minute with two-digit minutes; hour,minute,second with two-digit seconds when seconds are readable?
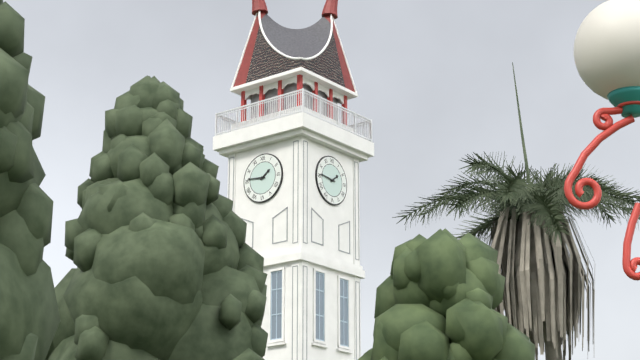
1,46
